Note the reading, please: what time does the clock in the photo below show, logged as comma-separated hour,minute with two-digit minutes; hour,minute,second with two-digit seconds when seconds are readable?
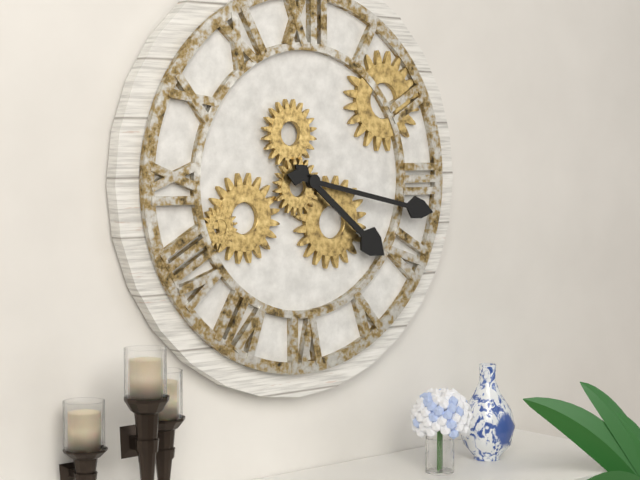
4,17
